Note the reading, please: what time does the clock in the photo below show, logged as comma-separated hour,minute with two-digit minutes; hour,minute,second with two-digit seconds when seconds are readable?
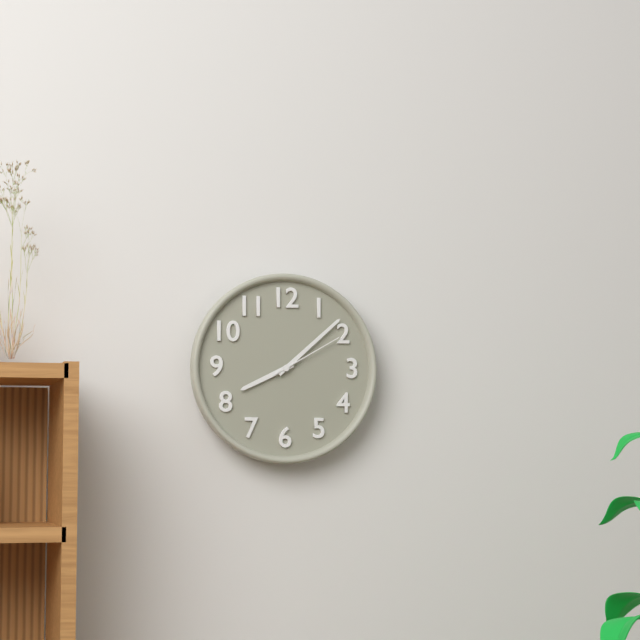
8,08,10
